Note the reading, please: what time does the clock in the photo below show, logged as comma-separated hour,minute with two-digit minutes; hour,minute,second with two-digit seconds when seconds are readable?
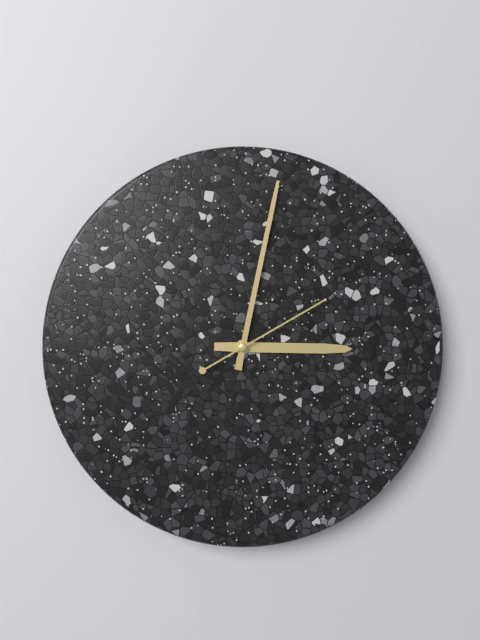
3,02,10
